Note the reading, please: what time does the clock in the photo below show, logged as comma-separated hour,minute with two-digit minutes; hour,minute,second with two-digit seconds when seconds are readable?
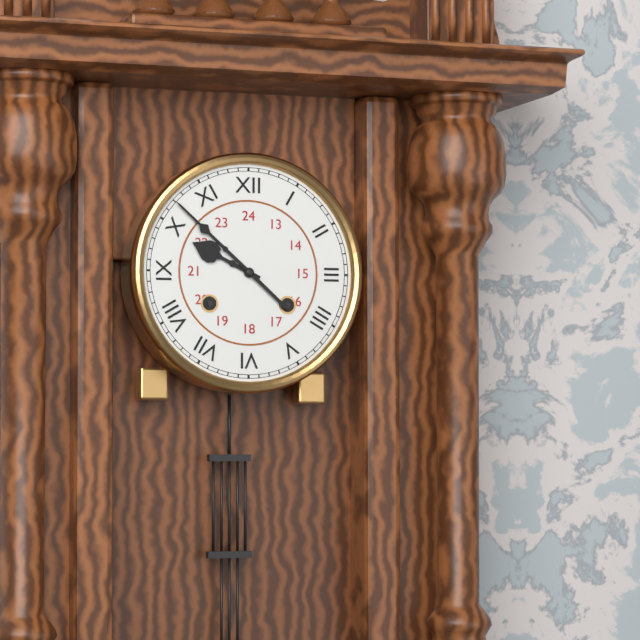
9,52
